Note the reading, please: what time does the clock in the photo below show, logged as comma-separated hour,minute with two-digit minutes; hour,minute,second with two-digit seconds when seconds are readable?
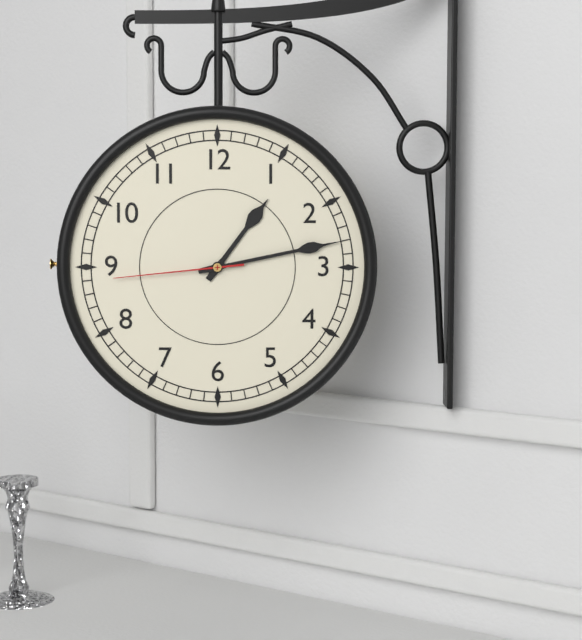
1,13,44
